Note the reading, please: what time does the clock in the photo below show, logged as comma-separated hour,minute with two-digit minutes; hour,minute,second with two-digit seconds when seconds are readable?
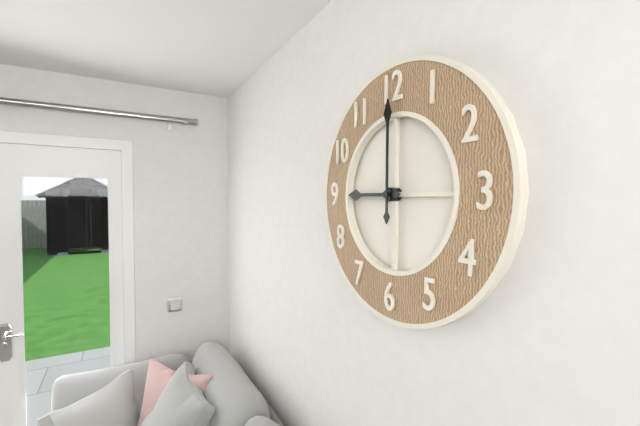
9,00
